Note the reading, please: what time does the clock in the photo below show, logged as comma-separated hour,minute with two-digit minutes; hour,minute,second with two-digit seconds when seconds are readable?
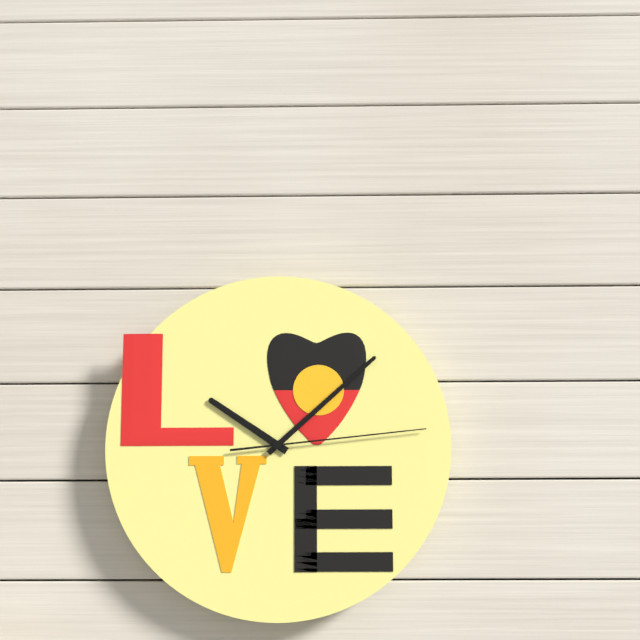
10,08,14
